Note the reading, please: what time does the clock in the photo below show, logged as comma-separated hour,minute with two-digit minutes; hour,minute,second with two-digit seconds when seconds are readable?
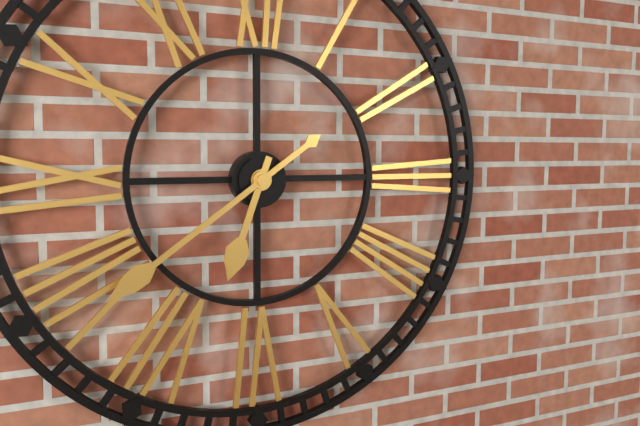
6,39
